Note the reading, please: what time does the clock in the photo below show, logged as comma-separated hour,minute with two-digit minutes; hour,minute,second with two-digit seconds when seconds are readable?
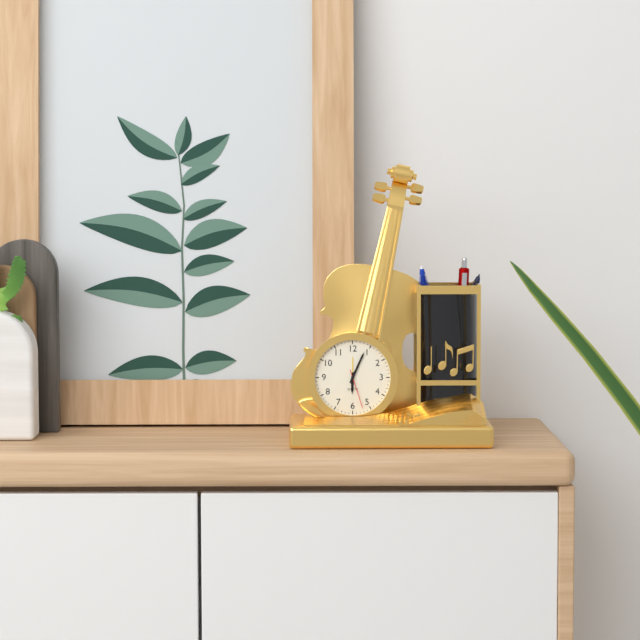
6,04
